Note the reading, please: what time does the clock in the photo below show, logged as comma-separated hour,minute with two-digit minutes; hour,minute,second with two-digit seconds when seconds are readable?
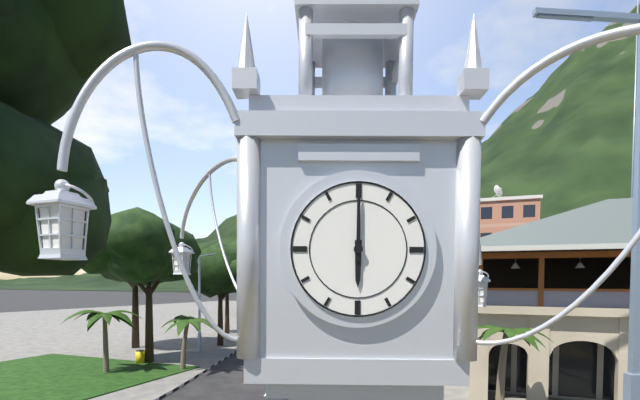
6,00
